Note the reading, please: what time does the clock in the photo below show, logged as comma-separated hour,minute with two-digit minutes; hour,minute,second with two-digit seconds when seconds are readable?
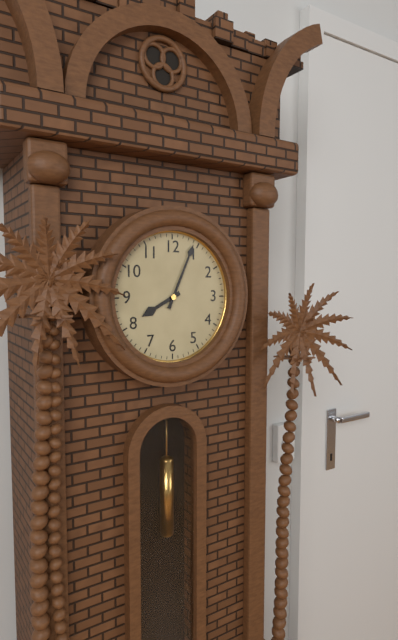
8,04
